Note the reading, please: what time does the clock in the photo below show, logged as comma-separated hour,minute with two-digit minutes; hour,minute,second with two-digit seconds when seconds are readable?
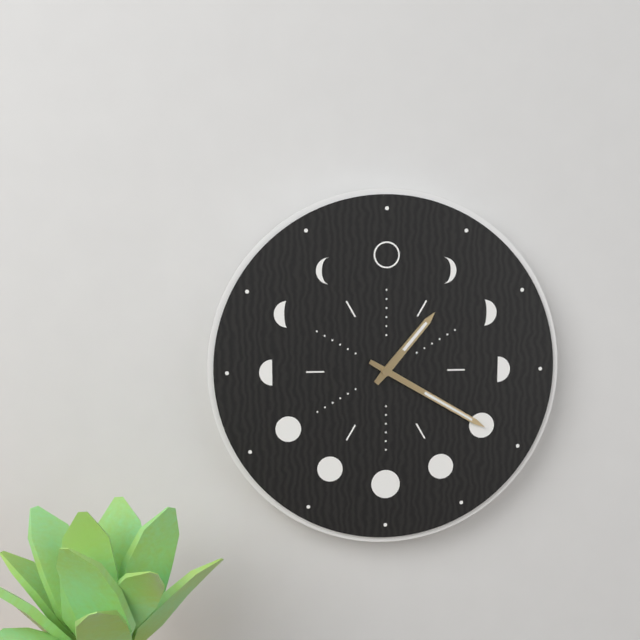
1,20
